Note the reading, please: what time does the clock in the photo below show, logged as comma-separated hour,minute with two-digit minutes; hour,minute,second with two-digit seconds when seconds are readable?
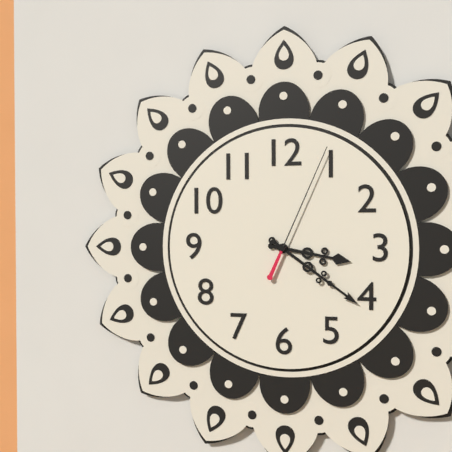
3,21,04
